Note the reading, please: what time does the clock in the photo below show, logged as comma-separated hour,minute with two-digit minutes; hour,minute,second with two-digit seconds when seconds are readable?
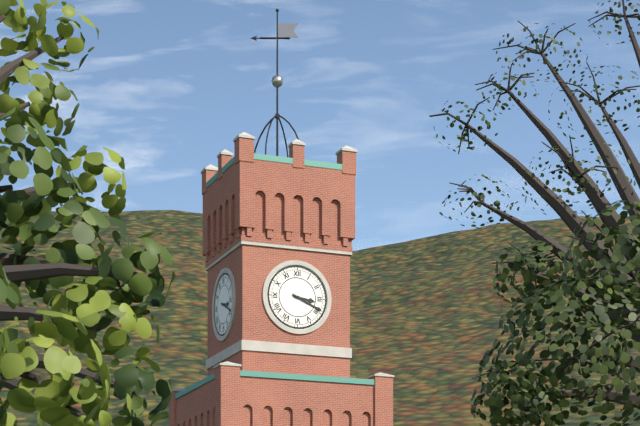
3,19
